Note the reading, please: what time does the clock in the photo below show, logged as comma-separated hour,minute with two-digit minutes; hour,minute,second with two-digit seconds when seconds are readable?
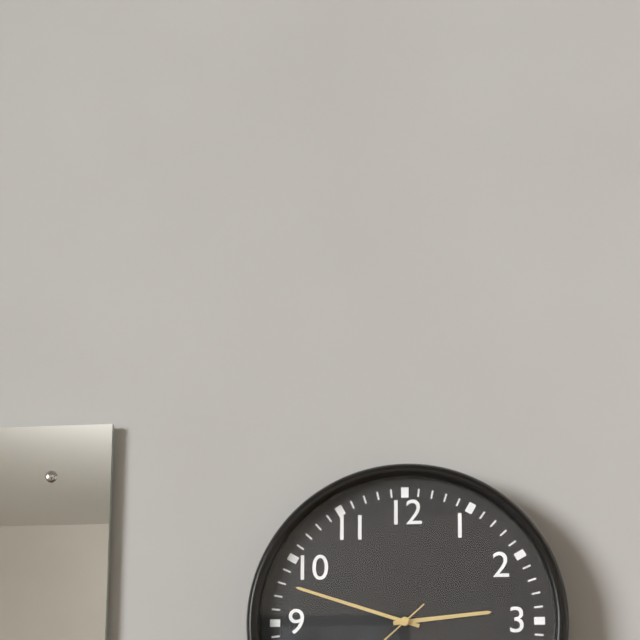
2,48
